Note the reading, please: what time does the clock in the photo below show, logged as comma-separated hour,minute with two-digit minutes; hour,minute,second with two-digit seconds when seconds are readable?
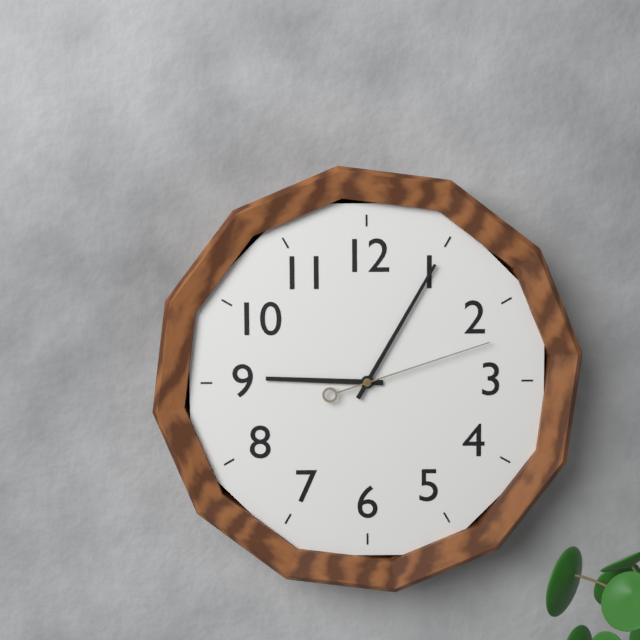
9,05,12
